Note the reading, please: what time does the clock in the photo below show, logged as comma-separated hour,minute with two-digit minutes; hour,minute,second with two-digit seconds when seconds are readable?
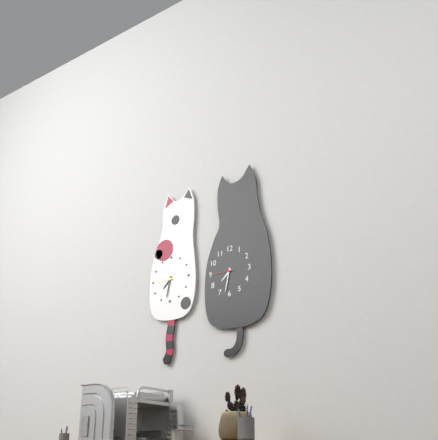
7,32
